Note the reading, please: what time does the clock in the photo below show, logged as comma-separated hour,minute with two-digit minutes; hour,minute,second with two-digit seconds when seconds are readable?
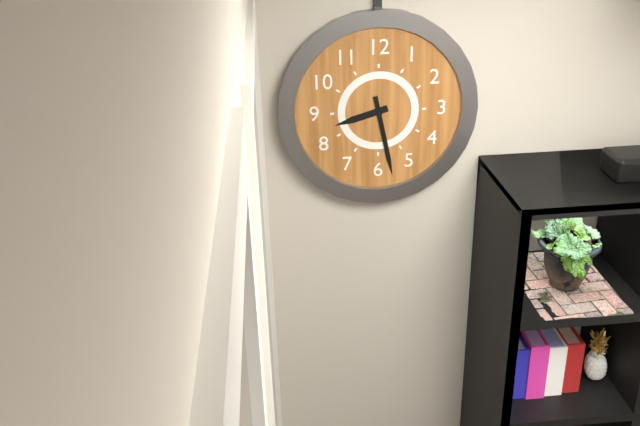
8,28
